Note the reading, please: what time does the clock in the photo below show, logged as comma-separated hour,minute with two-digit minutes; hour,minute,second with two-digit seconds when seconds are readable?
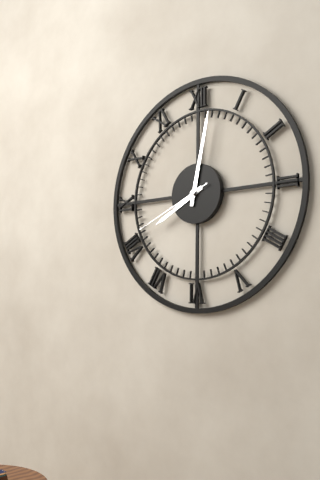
8,02,41
